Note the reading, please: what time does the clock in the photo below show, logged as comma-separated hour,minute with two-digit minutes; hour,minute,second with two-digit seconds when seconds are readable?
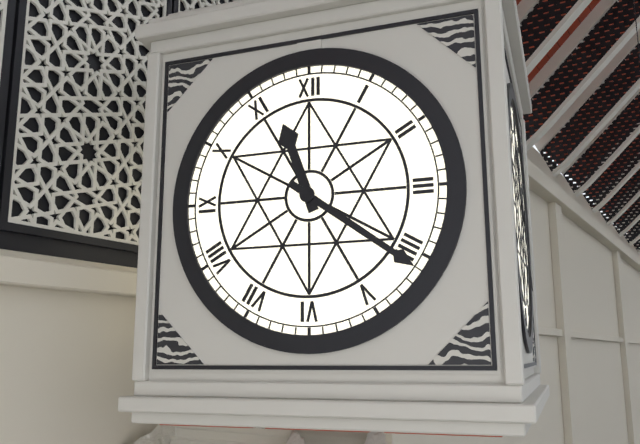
11,21
